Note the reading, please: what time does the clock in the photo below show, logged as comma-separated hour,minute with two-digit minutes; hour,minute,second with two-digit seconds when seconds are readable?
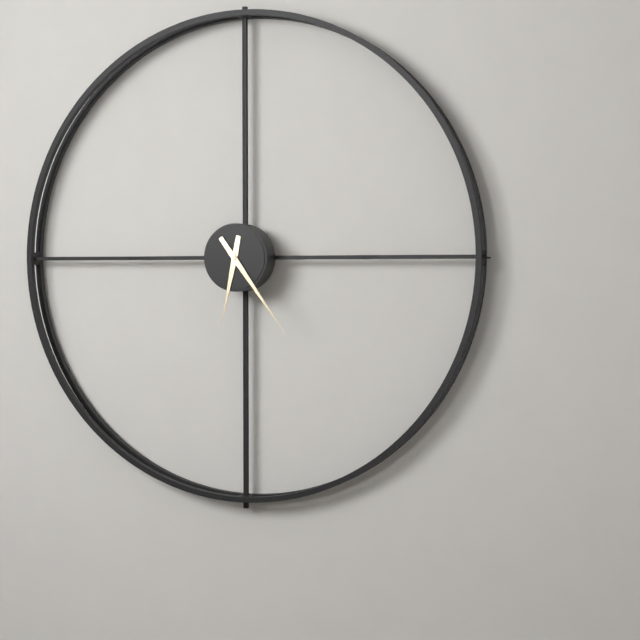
6,24
